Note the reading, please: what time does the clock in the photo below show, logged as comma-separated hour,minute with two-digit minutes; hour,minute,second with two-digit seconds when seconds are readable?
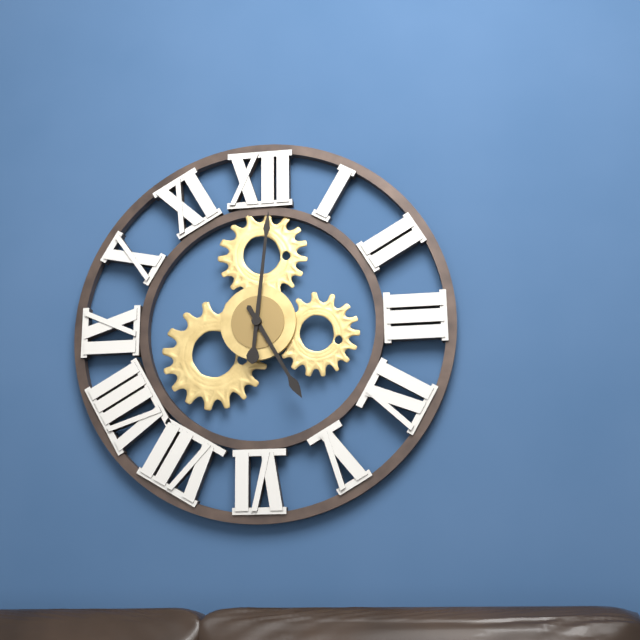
5,01
